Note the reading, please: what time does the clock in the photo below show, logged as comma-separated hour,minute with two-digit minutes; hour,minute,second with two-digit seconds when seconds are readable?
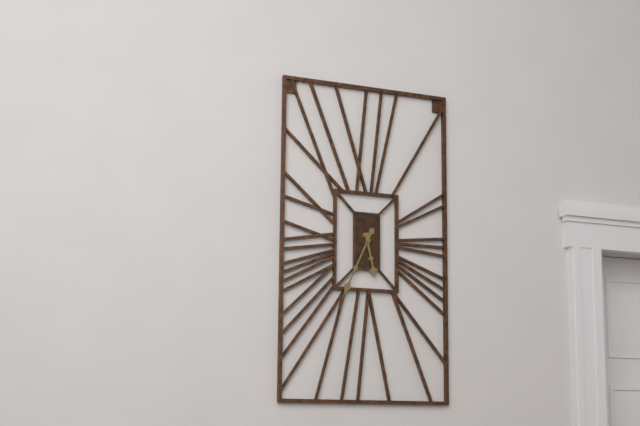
5,34
